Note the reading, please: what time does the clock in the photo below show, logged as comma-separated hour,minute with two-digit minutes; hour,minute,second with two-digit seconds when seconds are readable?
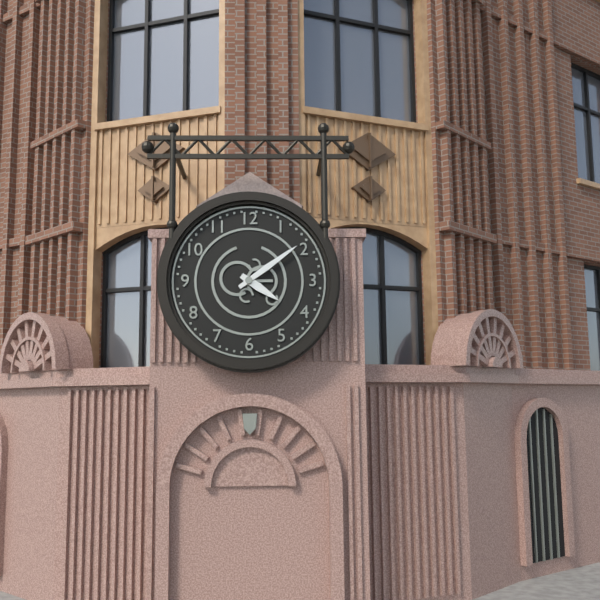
4,09
